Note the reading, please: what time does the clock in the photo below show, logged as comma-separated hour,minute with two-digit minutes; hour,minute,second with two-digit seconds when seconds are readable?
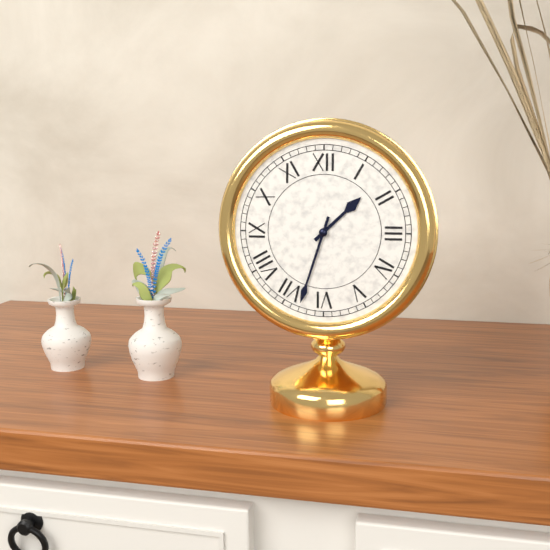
1,33
